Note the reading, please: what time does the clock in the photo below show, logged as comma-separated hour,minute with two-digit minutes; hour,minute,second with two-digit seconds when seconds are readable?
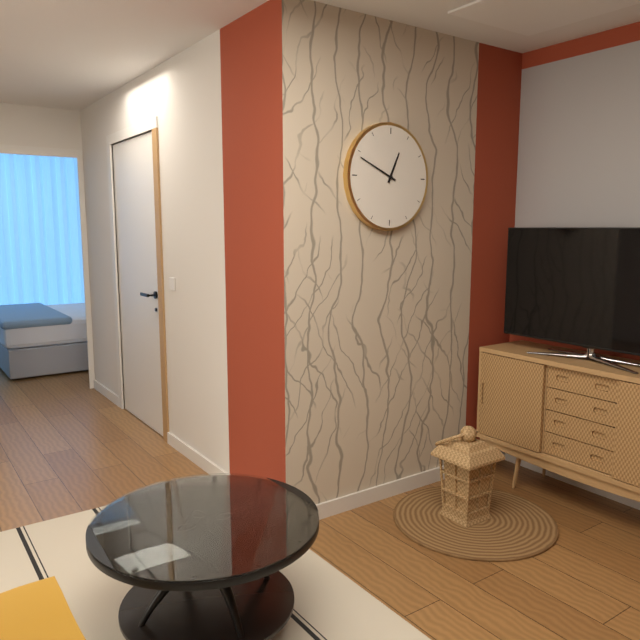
12,49
